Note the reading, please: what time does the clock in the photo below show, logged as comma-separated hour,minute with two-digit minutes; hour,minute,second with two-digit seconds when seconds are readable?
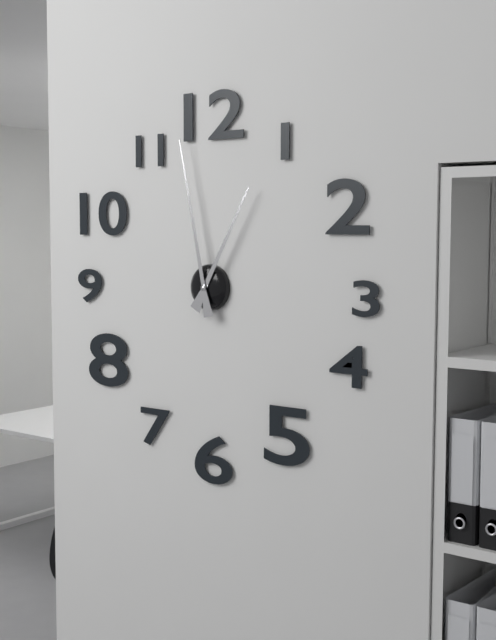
12,58
